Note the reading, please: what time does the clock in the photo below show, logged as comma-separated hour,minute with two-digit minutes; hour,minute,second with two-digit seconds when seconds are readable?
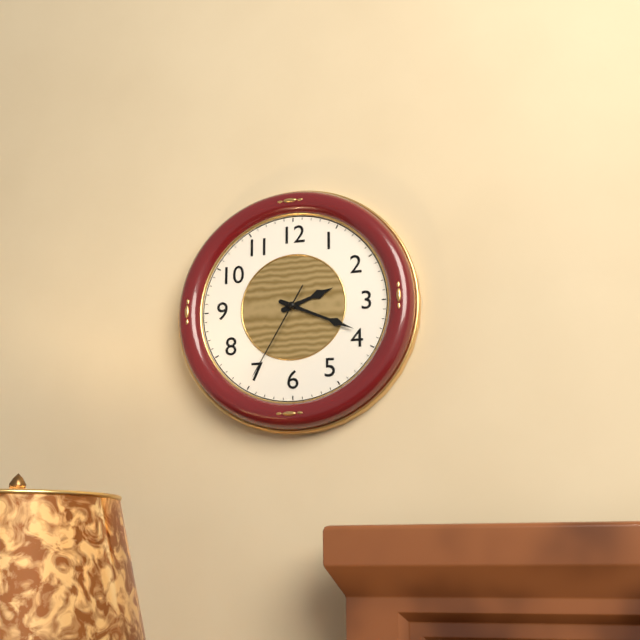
2,19,35
